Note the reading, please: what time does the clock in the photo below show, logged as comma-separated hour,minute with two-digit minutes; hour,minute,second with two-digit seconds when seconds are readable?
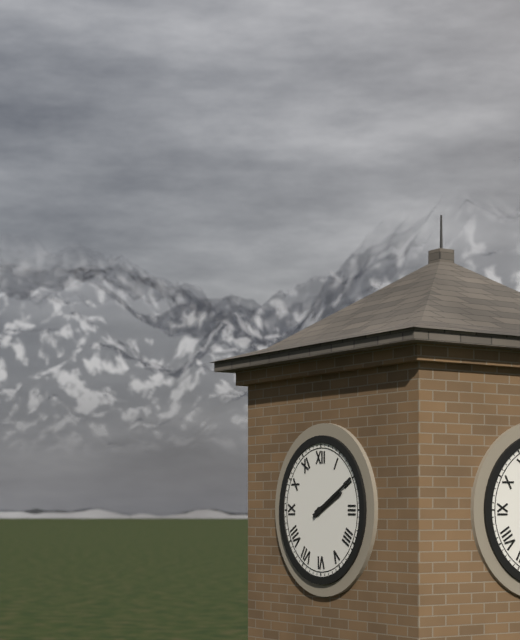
2,10
